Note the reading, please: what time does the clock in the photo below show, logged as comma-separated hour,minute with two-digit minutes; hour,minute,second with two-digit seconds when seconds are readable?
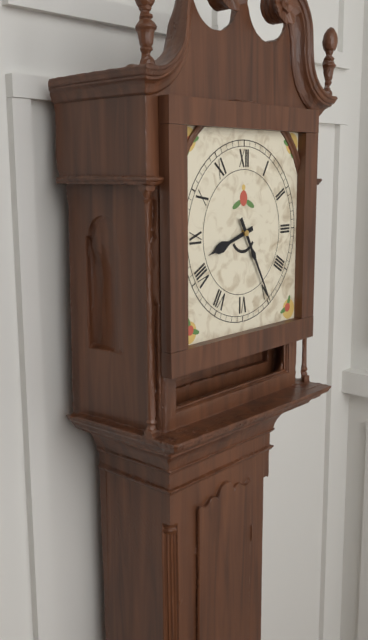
8,25
